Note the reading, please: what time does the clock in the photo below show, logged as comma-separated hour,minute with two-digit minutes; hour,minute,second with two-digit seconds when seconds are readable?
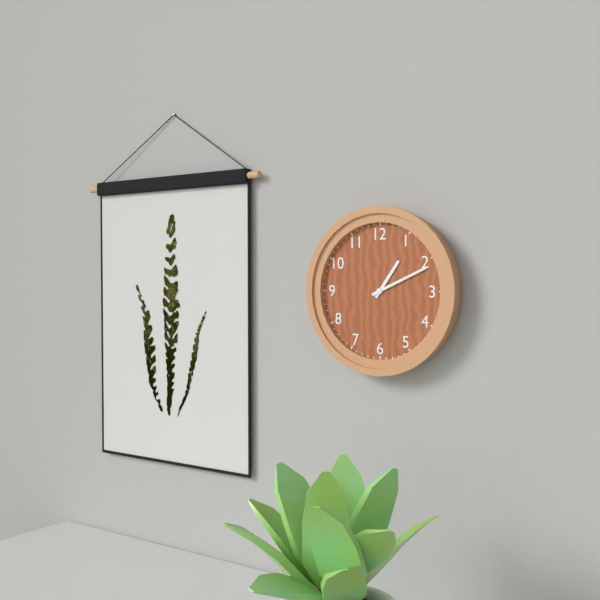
1,11
